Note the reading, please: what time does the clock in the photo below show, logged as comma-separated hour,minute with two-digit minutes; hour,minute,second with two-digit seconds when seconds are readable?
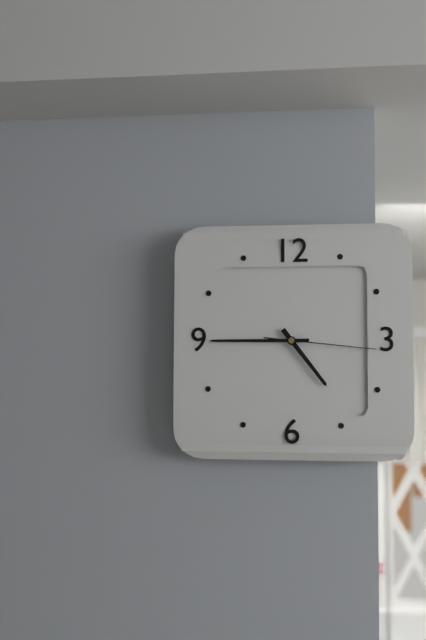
4,45,16
